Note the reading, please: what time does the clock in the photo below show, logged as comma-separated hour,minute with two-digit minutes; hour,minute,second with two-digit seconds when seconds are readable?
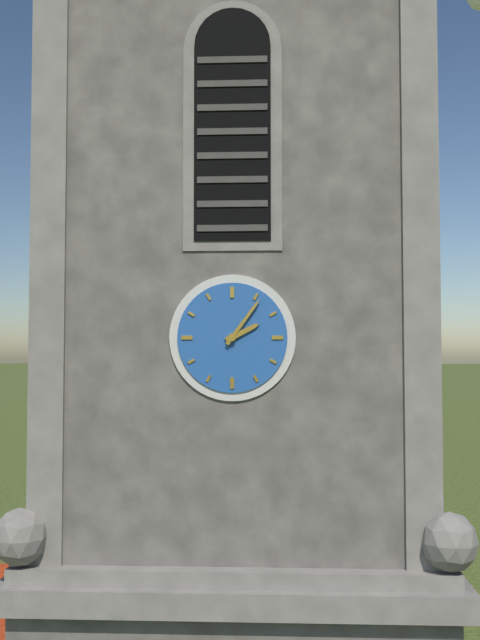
2,06
